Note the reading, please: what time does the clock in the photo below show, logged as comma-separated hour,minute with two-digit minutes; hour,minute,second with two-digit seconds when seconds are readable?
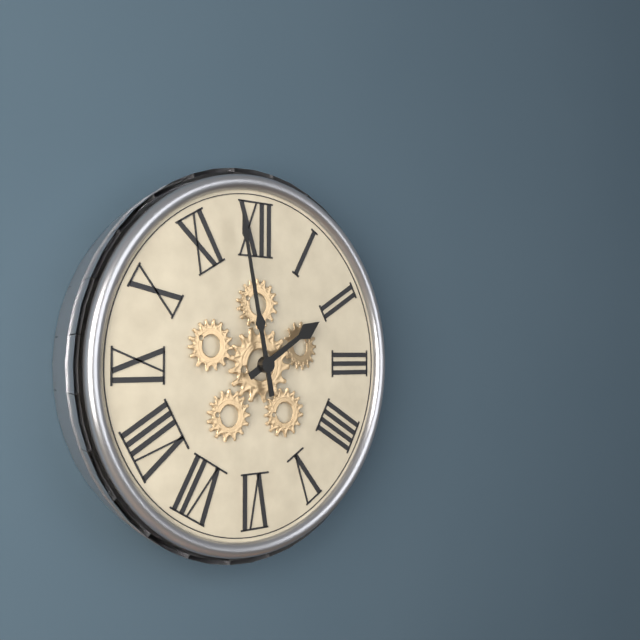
1,58
